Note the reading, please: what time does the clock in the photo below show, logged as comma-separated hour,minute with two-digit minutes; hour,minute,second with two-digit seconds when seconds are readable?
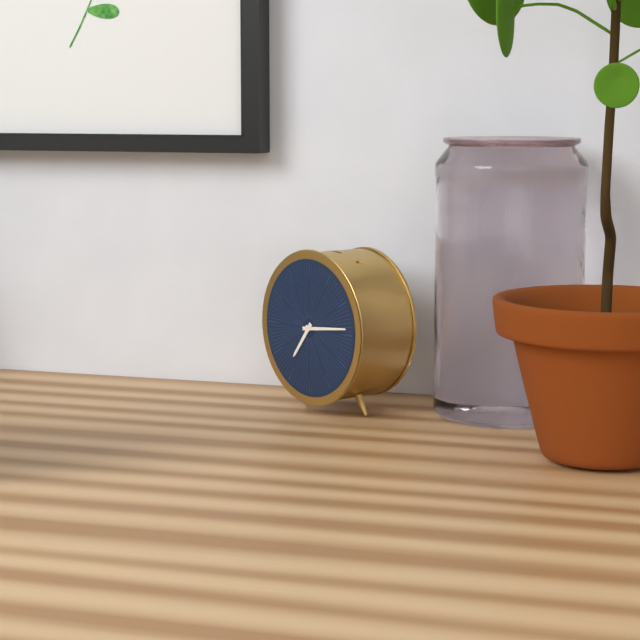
7,14
